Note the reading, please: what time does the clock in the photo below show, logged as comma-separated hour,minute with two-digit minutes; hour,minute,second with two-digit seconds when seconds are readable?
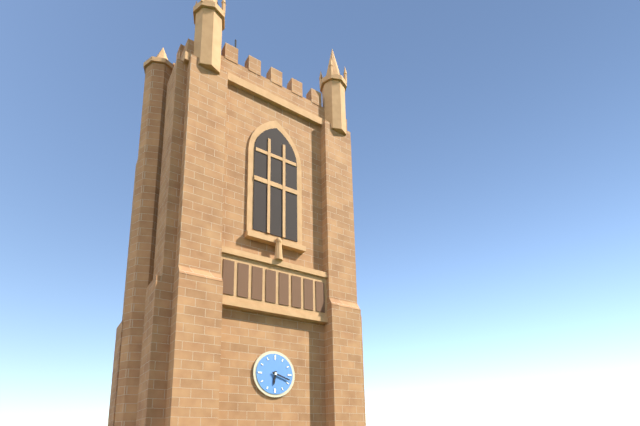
6,18
